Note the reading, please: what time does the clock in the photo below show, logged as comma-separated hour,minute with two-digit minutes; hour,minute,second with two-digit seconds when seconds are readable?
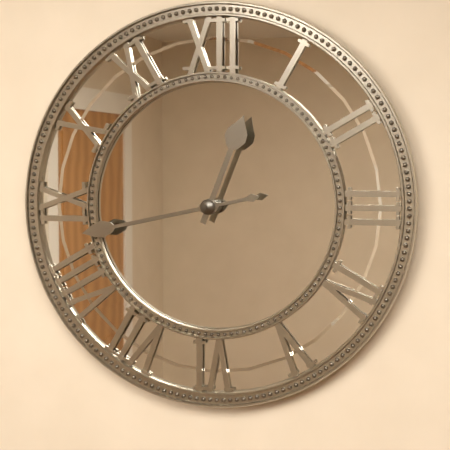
12,43
